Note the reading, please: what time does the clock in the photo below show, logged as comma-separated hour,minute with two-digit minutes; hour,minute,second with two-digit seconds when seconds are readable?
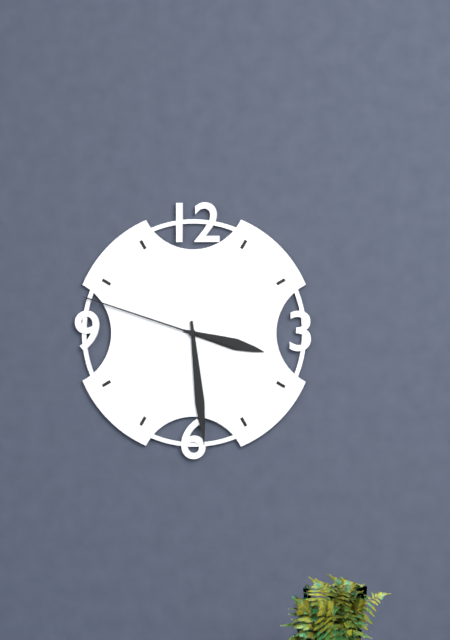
3,29,48
